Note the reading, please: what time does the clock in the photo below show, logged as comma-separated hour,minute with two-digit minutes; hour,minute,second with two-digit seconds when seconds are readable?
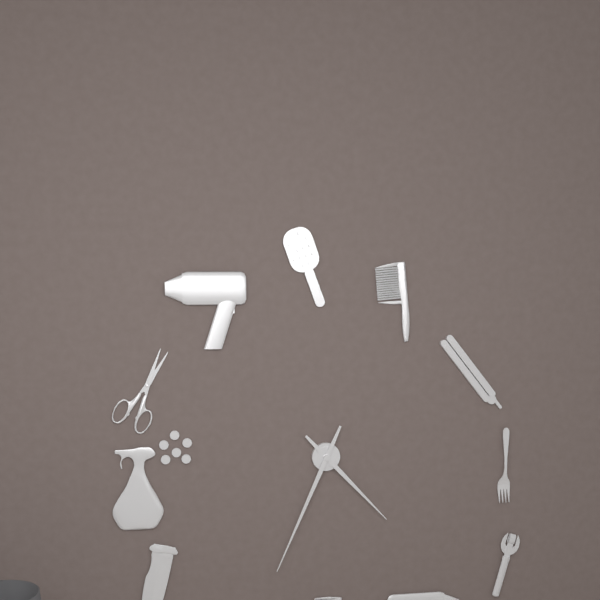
4,34
